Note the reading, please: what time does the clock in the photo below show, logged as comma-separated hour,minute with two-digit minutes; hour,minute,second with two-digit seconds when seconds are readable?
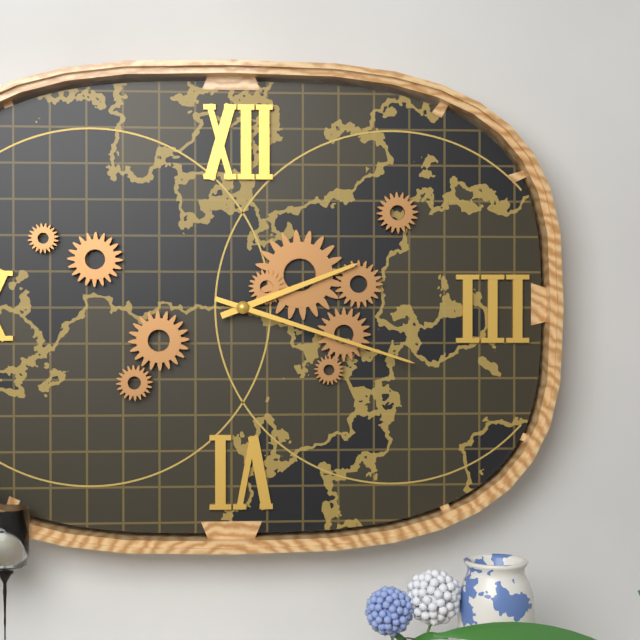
2,18
